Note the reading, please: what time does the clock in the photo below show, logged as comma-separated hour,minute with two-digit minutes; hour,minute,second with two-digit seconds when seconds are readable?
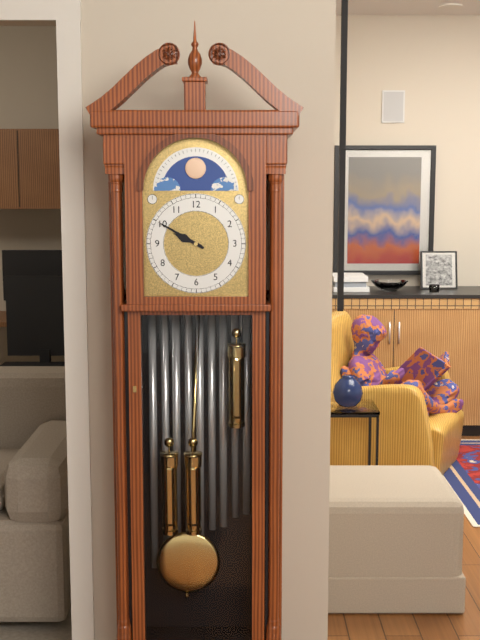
9,50
